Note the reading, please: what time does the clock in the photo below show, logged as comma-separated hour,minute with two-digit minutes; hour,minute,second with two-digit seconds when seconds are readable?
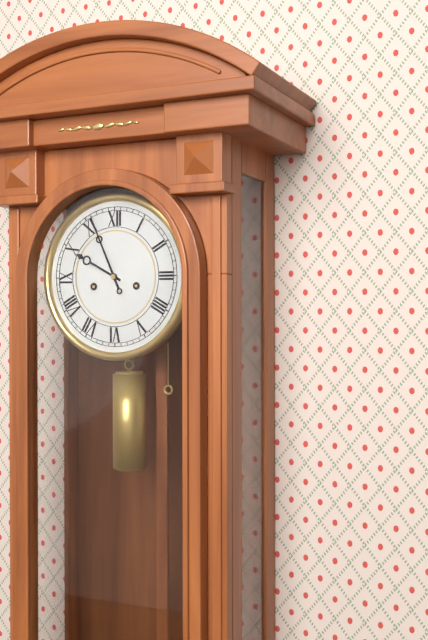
9,56
